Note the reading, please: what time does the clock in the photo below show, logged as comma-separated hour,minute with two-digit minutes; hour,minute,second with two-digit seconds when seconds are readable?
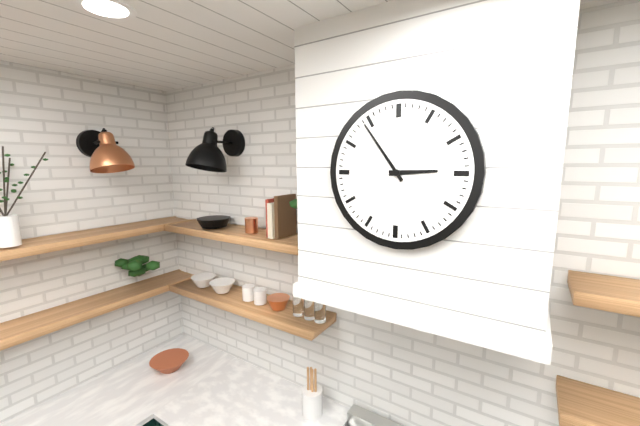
2,54
